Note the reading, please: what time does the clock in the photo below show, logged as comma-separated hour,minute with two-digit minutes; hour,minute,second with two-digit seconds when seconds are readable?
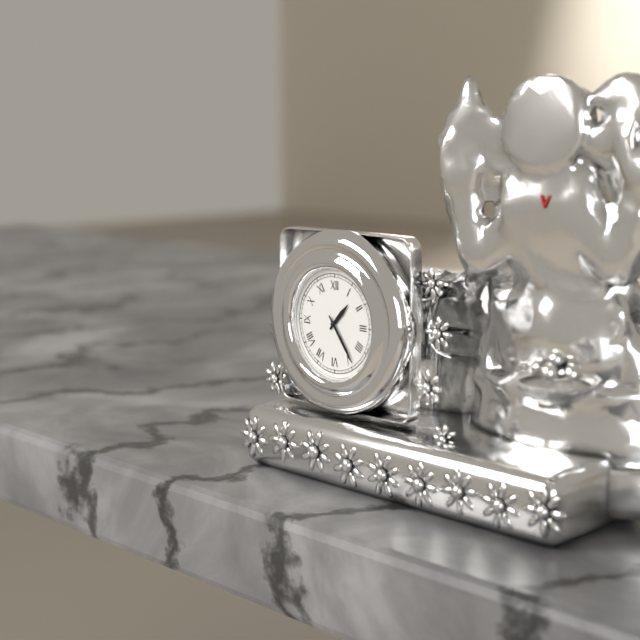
1,24
